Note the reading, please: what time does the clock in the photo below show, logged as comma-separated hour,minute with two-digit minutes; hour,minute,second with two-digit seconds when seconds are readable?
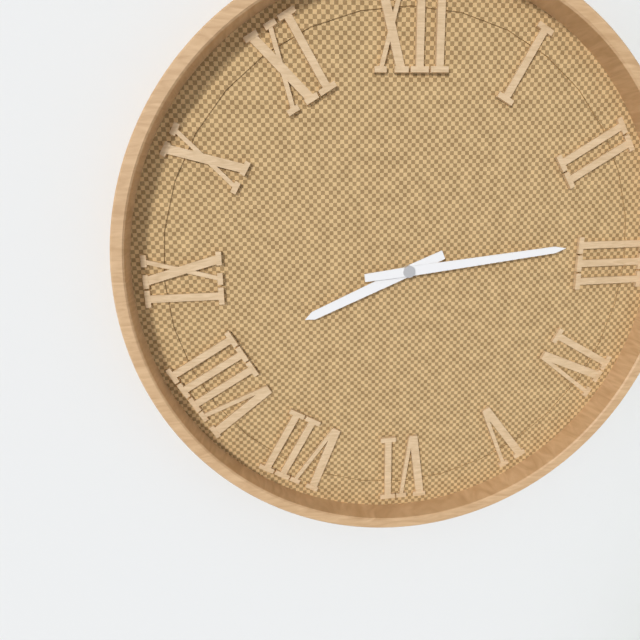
8,14
